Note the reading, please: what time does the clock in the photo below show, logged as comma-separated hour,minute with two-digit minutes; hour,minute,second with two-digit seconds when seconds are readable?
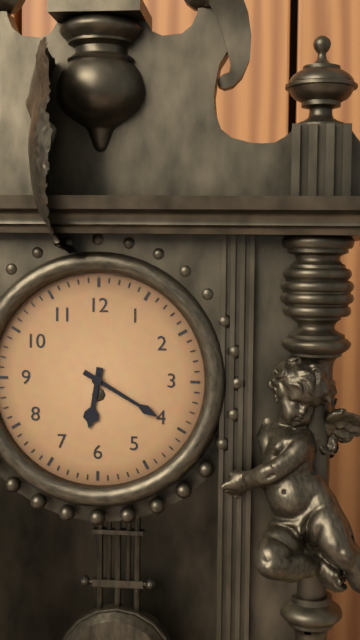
6,20
